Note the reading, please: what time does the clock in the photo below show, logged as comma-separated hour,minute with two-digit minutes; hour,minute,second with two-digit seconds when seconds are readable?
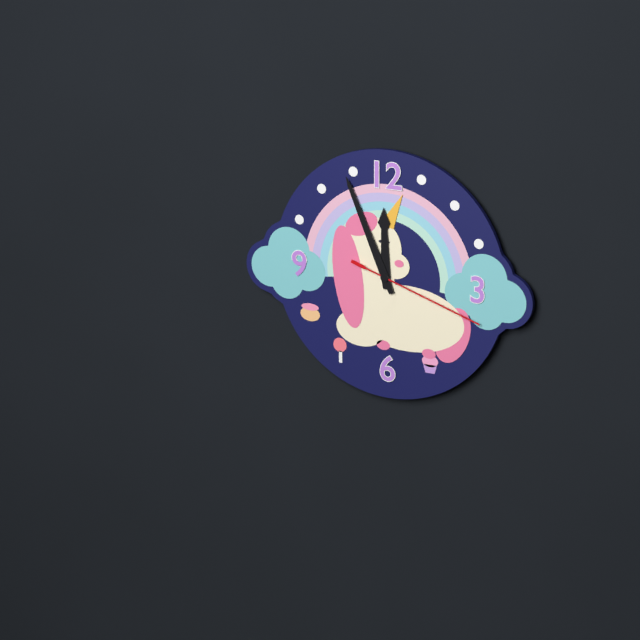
11,56,18
